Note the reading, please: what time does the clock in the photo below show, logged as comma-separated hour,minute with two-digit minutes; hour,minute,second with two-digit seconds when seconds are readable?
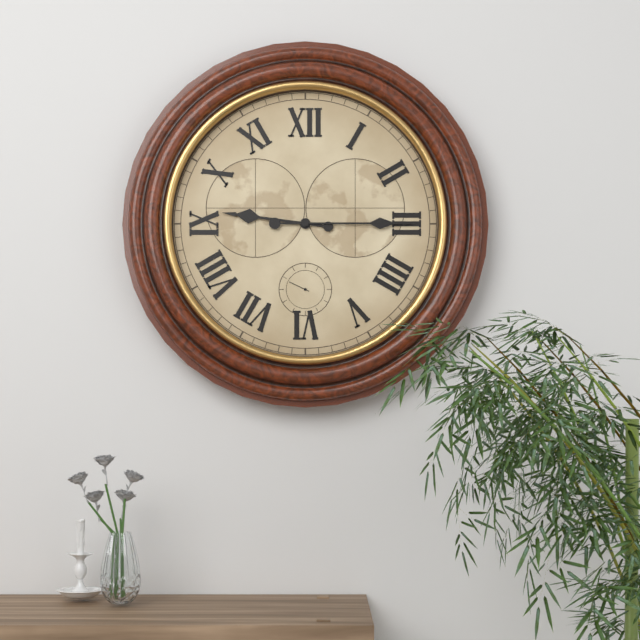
9,15
